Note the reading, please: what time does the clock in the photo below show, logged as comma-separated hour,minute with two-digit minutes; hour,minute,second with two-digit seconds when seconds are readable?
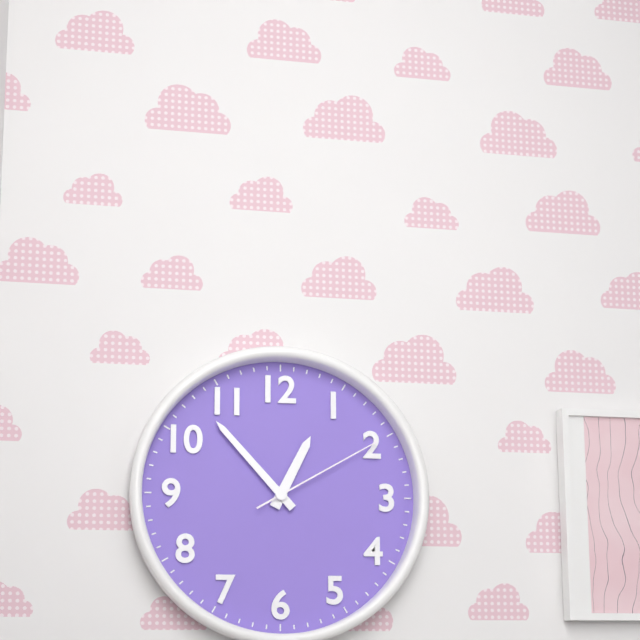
12,53,10
